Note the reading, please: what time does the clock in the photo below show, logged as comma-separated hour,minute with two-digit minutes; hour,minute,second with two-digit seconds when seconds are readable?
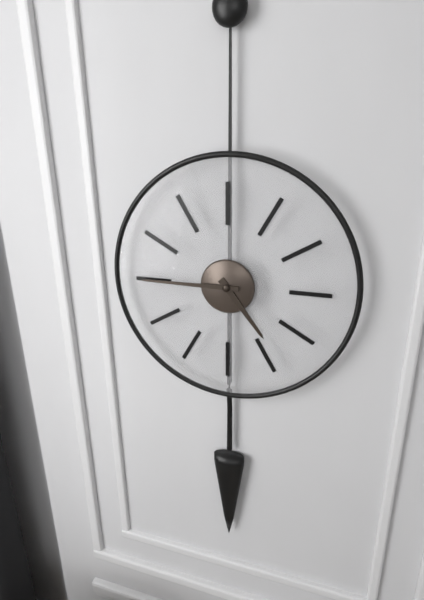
4,45
